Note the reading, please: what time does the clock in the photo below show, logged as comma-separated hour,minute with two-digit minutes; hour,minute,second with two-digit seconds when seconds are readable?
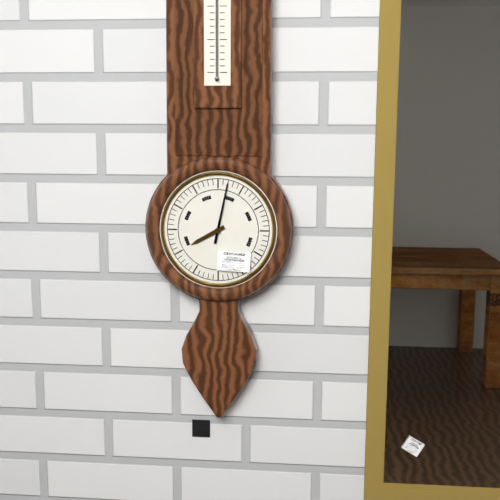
8,02
